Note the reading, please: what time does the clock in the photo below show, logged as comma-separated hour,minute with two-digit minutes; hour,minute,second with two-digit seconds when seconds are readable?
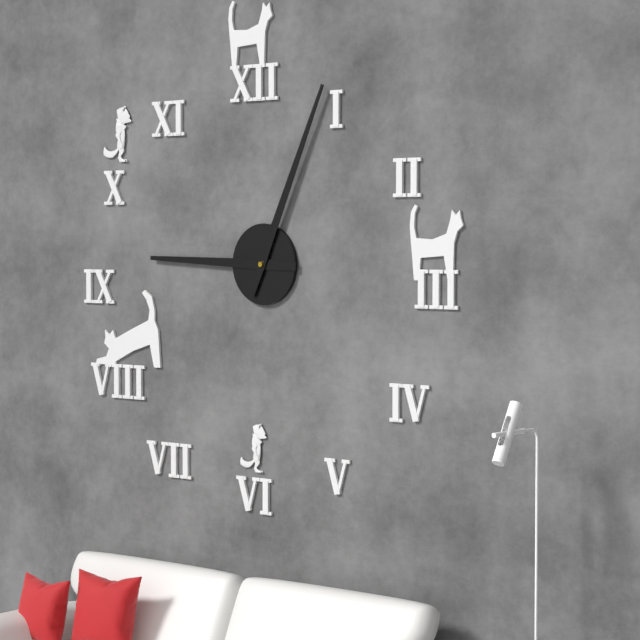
9,04
